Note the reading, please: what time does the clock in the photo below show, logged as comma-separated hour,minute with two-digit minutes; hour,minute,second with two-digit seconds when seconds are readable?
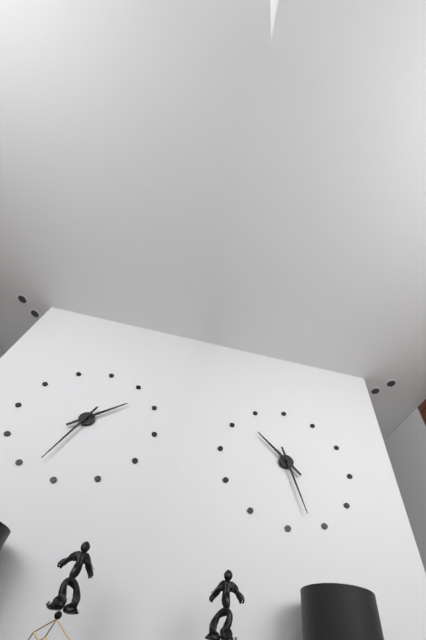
10,27
